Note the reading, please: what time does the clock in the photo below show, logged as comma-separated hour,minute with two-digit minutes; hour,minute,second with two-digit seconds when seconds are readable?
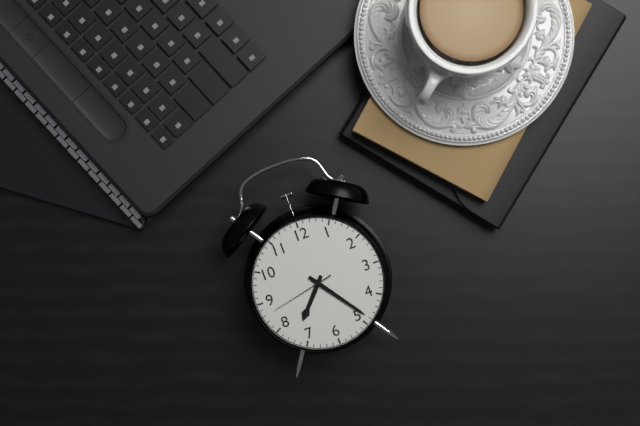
7,24,43
